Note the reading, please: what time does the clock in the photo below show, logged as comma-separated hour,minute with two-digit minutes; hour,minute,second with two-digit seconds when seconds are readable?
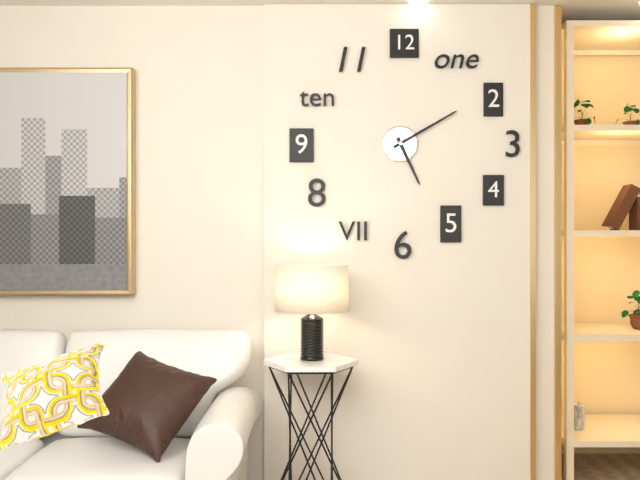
5,10
